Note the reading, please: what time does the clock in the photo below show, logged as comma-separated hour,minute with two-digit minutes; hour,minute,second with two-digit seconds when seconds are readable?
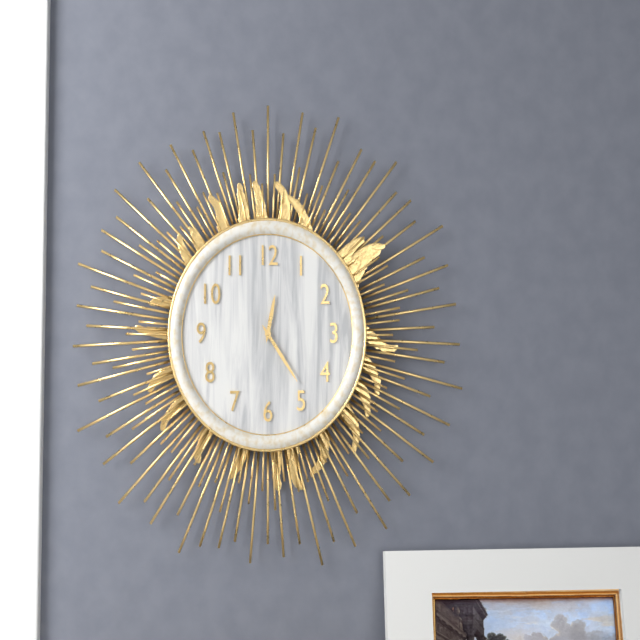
12,24
